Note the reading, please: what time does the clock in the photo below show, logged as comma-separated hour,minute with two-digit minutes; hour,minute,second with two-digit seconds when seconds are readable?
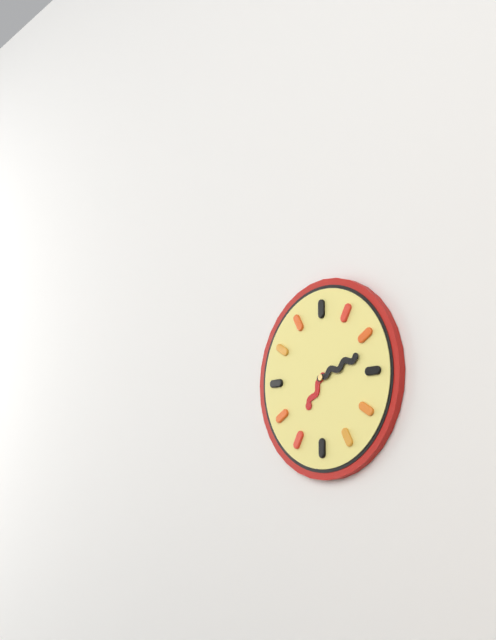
7,12
